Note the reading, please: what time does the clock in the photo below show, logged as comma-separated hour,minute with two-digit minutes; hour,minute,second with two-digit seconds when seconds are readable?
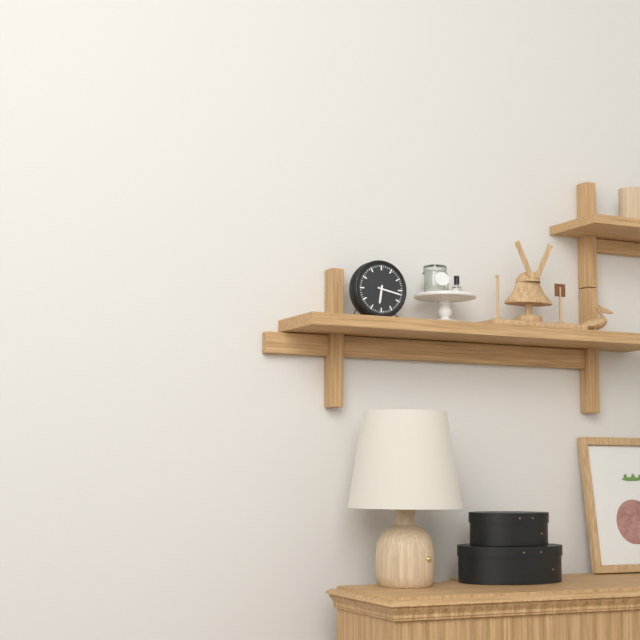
6,17
